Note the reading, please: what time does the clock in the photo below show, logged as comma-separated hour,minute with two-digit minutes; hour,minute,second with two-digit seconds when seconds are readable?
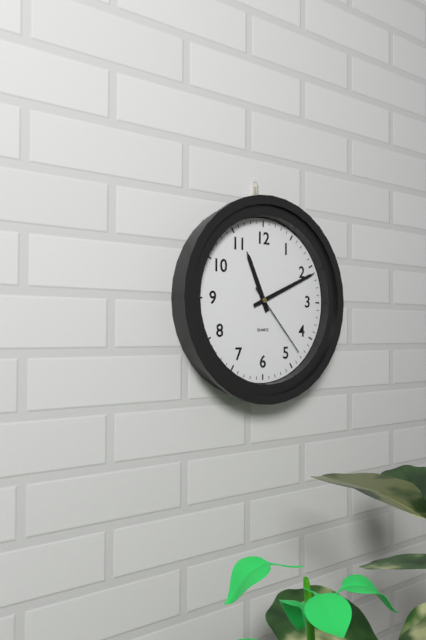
11,11,23
